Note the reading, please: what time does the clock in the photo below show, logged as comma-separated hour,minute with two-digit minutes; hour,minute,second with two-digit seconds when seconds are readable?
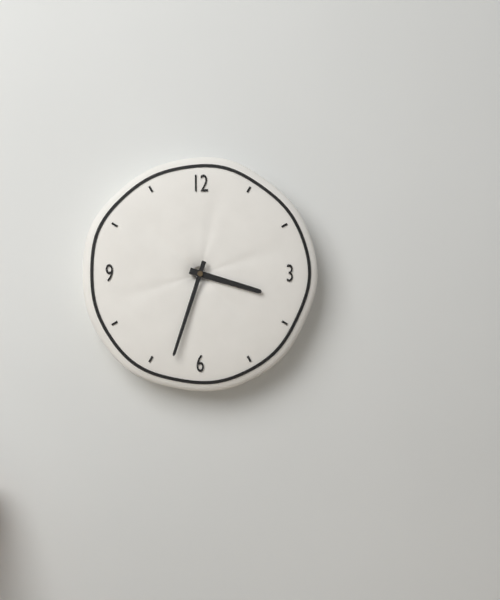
3,33
